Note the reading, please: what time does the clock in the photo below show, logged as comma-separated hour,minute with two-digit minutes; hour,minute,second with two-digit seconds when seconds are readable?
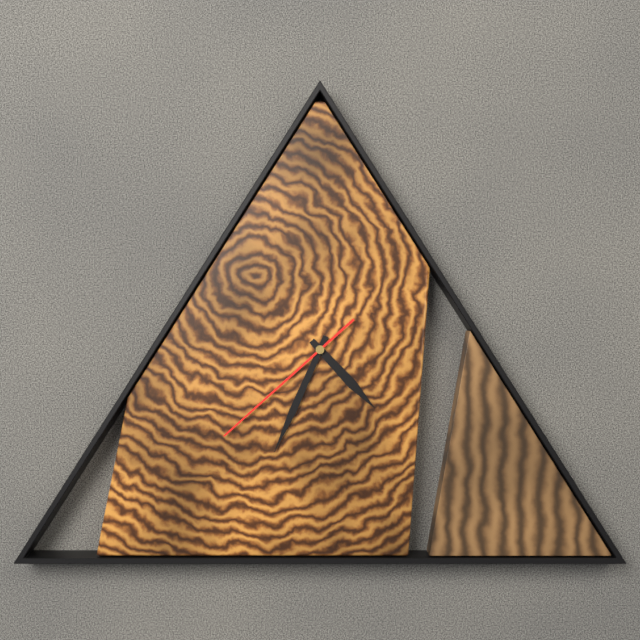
4,34,38
